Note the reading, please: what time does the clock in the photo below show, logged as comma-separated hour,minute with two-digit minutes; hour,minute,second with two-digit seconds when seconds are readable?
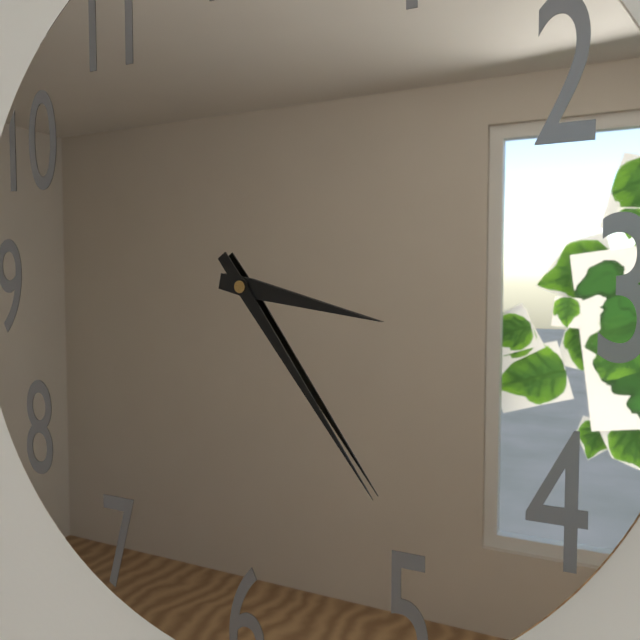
3,24
